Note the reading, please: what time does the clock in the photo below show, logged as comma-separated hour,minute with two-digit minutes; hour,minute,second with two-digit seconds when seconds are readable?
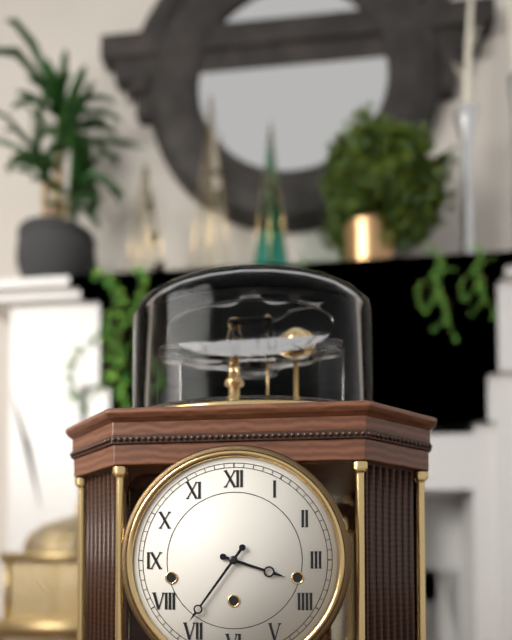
3,36
